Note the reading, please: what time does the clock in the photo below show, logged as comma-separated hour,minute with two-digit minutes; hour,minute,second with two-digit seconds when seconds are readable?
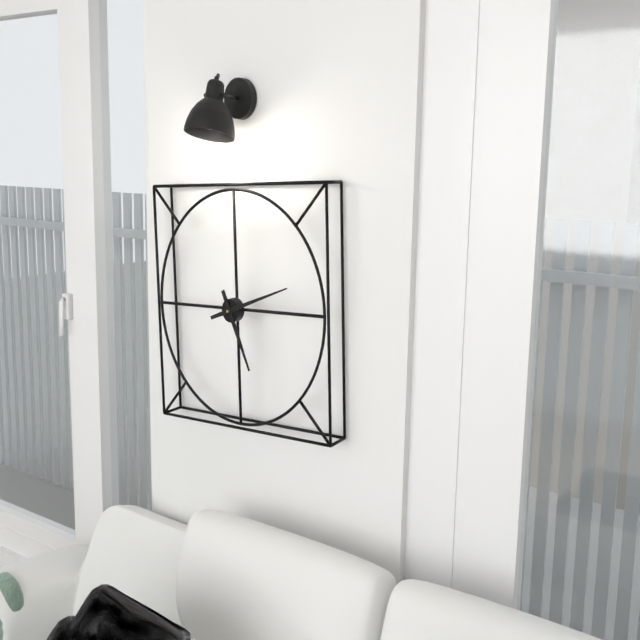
5,12
